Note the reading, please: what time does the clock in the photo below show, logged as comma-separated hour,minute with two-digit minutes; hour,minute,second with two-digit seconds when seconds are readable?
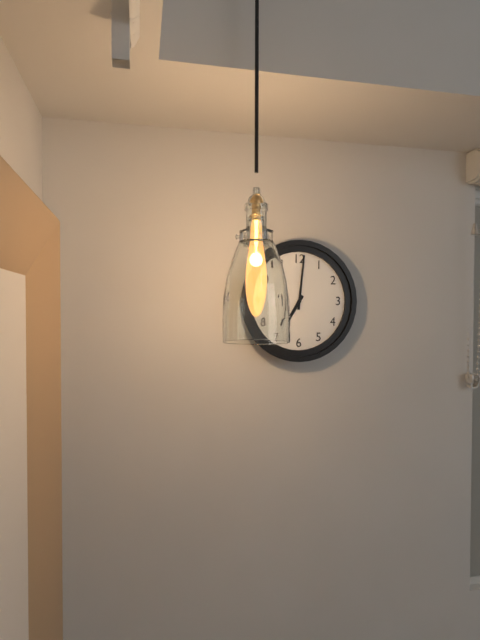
7,01
